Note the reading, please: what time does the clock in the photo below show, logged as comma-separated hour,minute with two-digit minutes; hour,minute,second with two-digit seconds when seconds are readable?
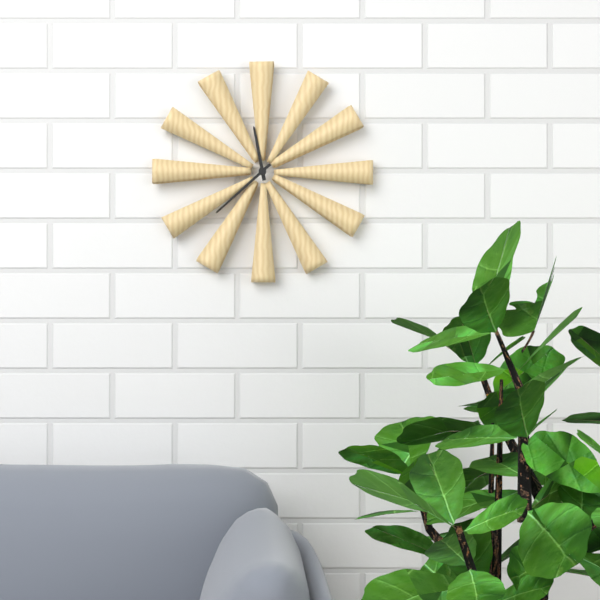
11,38
